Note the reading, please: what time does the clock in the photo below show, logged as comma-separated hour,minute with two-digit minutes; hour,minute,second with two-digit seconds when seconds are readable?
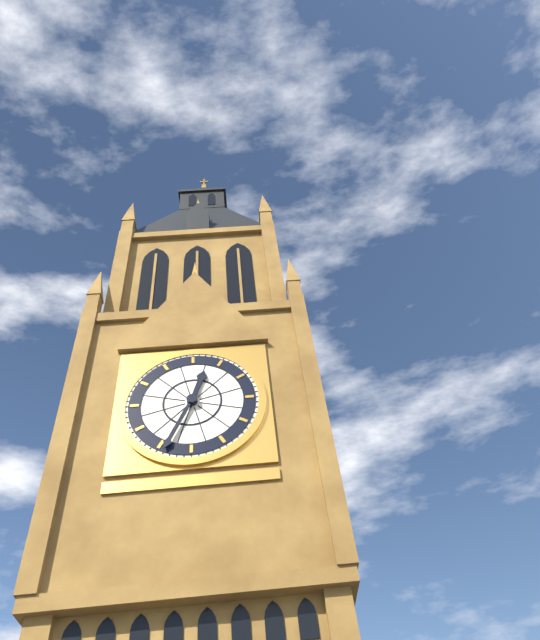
12,34
